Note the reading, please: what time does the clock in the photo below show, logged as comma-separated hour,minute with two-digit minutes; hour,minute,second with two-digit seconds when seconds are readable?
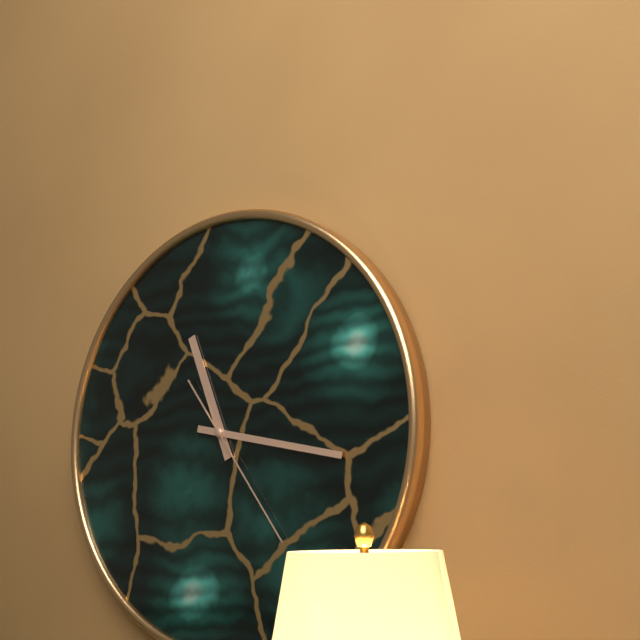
11,17,24
